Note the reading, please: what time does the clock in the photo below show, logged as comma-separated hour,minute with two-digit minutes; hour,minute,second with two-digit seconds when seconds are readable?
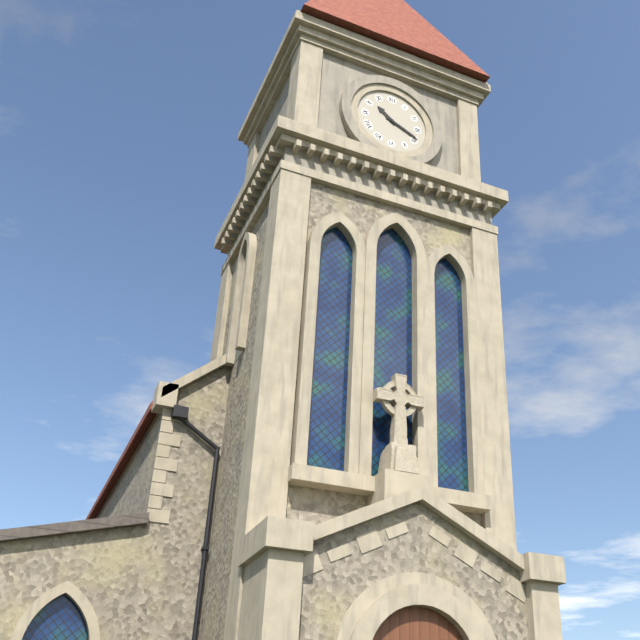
10,19
